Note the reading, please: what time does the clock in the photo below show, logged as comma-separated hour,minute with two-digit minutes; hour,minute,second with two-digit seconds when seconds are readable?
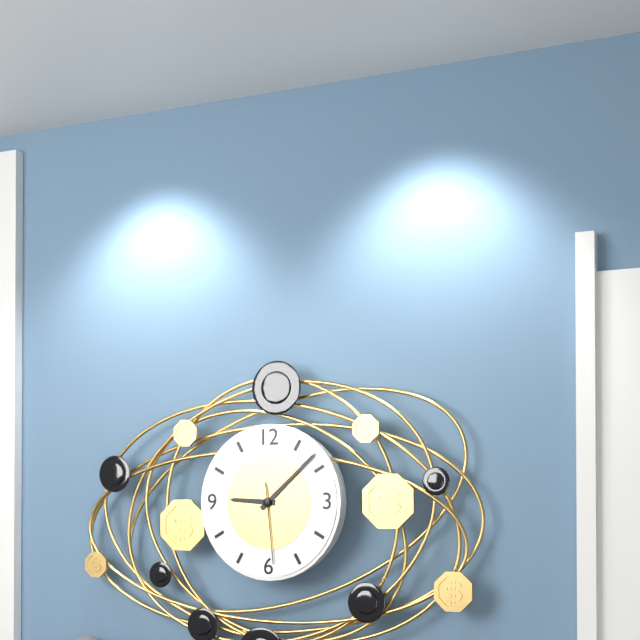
9,08,29
